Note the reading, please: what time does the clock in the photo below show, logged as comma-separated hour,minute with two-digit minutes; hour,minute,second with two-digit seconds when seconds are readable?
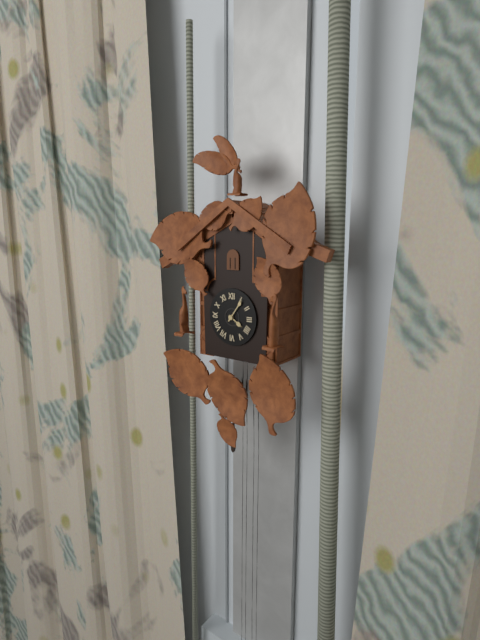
4,06
